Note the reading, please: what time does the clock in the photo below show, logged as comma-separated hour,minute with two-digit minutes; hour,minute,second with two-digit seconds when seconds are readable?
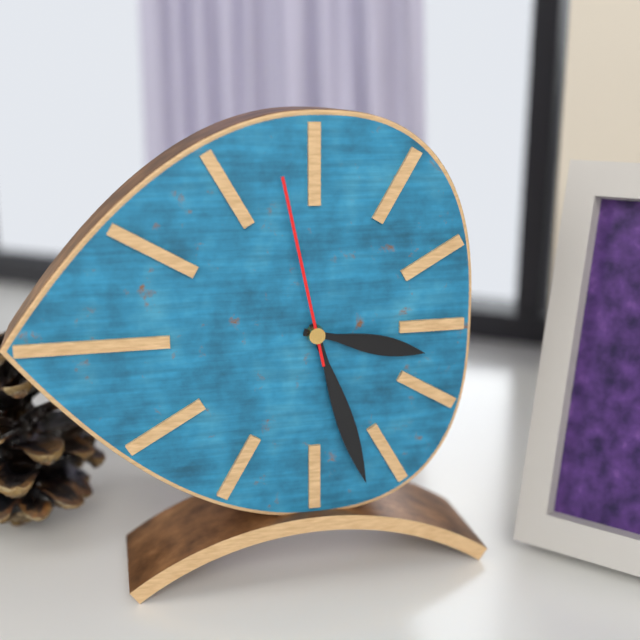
3,27,58
